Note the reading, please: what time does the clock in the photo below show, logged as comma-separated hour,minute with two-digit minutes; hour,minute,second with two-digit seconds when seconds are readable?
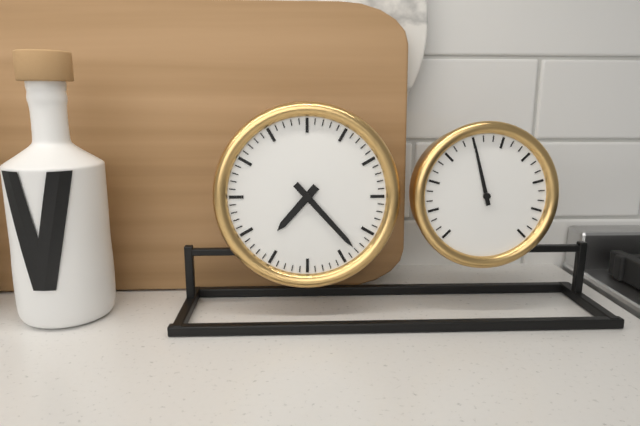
7,23
